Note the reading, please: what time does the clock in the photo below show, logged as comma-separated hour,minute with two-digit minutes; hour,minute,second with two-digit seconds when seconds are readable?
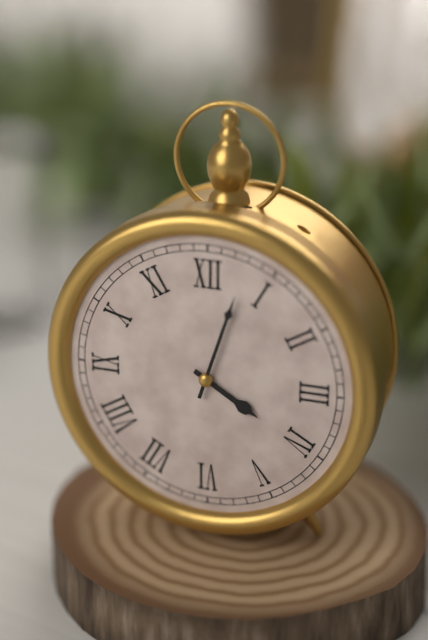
4,03
